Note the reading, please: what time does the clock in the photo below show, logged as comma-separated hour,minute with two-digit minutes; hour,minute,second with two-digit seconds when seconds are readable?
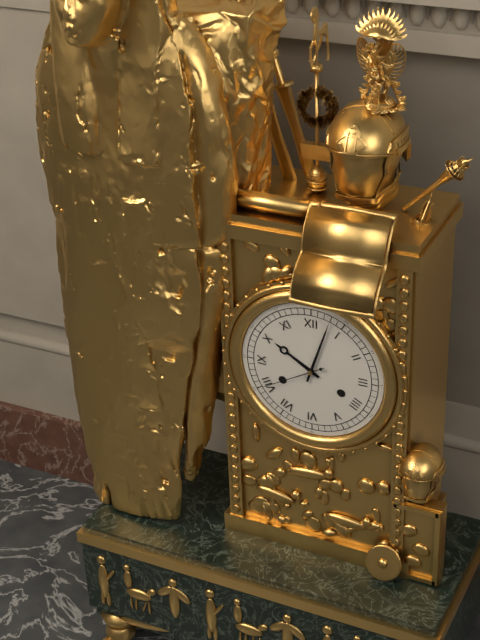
10,03,40
